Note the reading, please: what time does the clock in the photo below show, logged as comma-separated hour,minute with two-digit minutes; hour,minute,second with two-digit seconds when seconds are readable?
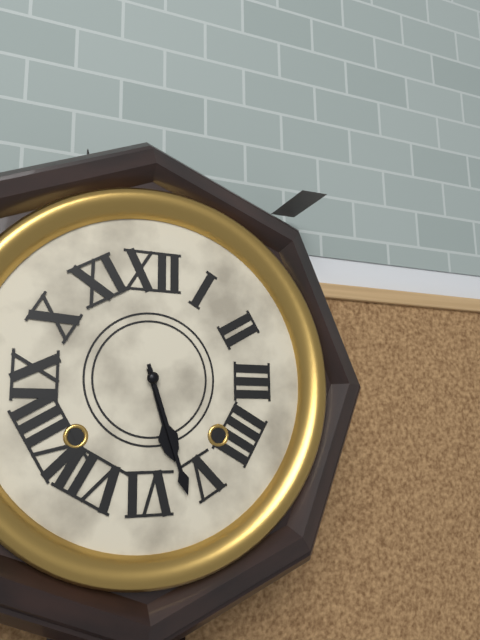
5,27
